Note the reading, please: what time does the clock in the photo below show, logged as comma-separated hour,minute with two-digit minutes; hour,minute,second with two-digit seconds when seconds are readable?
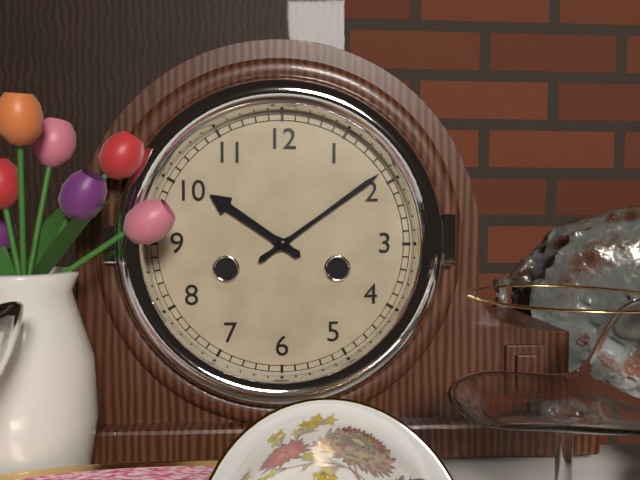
10,09
